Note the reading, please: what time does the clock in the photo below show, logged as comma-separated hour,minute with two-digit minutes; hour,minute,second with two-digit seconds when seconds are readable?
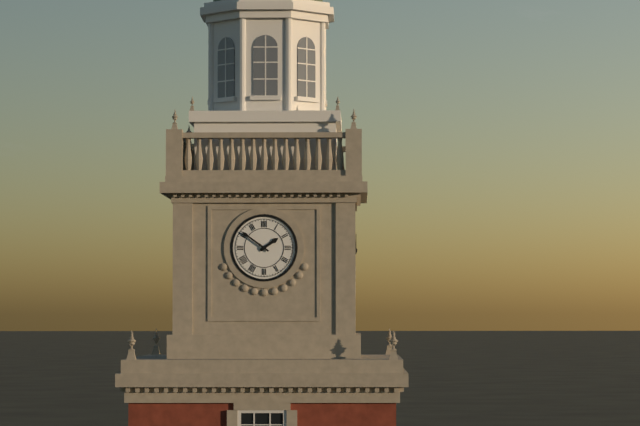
1,51
